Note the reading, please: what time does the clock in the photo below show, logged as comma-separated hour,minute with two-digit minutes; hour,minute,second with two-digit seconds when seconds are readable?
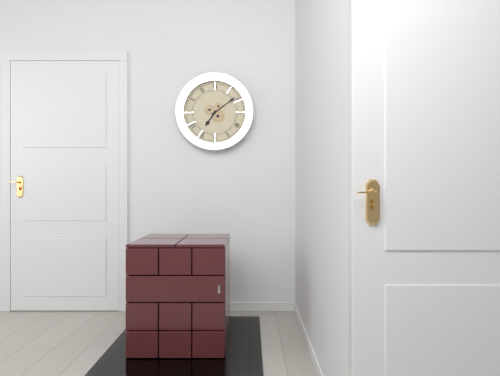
7,09
